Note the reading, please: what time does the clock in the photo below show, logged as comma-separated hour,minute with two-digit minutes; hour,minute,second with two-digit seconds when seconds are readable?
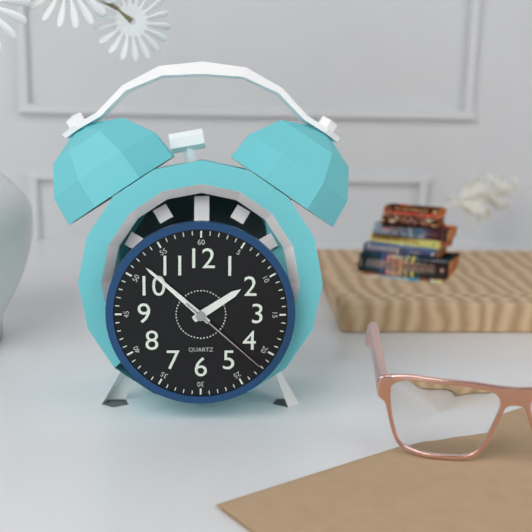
1,52,22
